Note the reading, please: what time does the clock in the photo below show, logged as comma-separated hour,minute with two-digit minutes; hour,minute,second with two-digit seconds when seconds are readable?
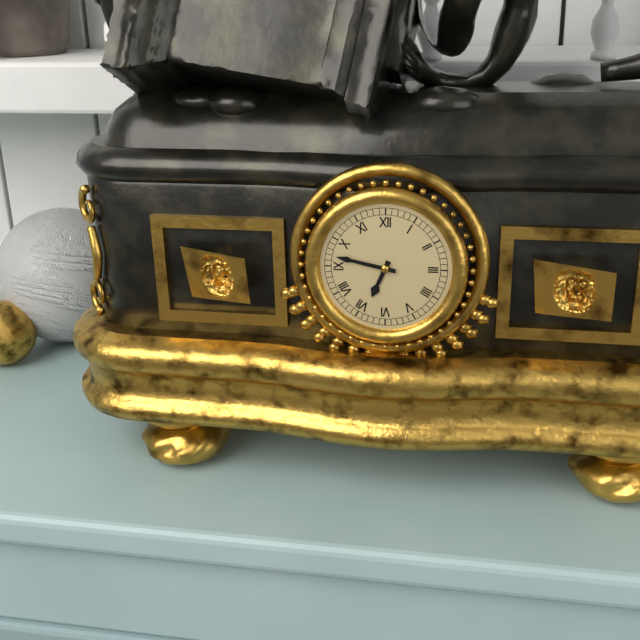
6,47
